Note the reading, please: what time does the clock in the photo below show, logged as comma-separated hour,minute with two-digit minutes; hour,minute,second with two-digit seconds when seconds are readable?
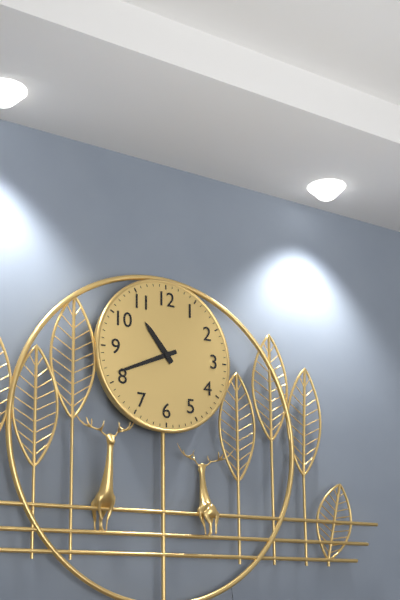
10,41
